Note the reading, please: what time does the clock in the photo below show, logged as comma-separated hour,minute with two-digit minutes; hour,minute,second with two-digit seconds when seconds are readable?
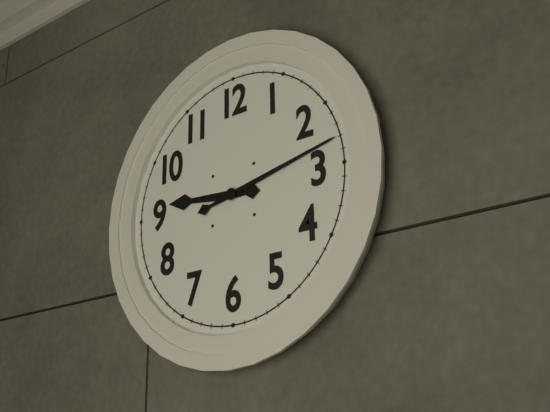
9,13
